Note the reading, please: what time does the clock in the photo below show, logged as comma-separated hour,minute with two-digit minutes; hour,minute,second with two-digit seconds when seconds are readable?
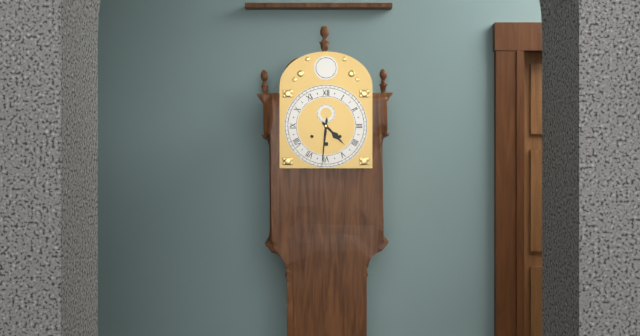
4,31
